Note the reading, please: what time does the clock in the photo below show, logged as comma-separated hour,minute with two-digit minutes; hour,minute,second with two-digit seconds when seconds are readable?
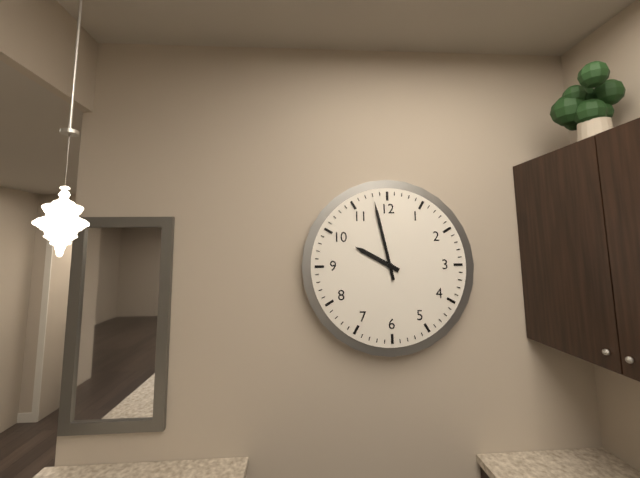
9,58
